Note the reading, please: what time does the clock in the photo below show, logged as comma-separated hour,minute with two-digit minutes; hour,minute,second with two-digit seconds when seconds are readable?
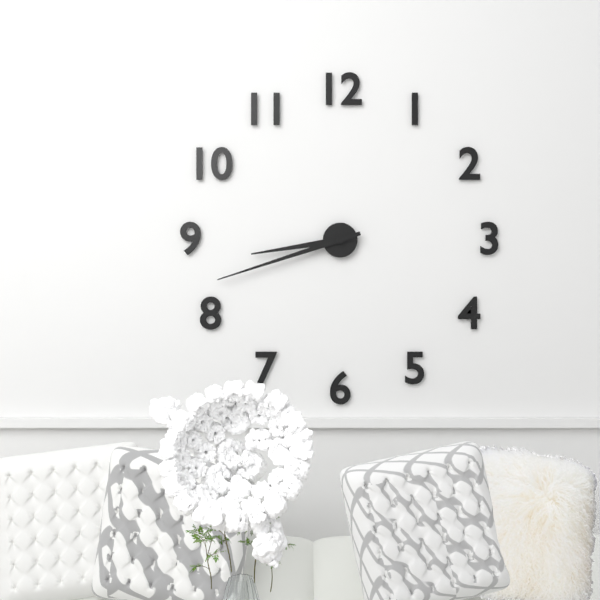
8,42
